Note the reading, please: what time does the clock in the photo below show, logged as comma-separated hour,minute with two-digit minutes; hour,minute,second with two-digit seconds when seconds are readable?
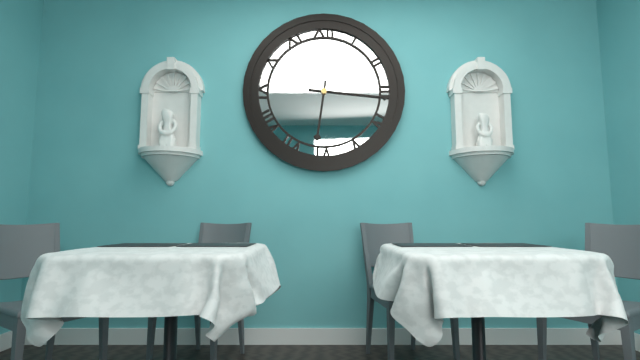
6,16
